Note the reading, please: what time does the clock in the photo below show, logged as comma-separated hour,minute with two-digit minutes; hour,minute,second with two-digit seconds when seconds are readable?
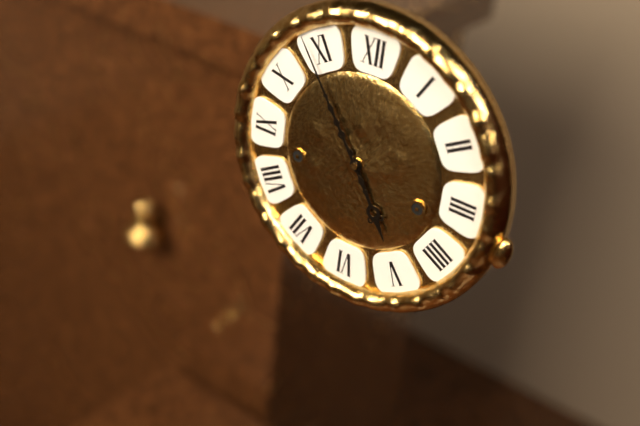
4,54
